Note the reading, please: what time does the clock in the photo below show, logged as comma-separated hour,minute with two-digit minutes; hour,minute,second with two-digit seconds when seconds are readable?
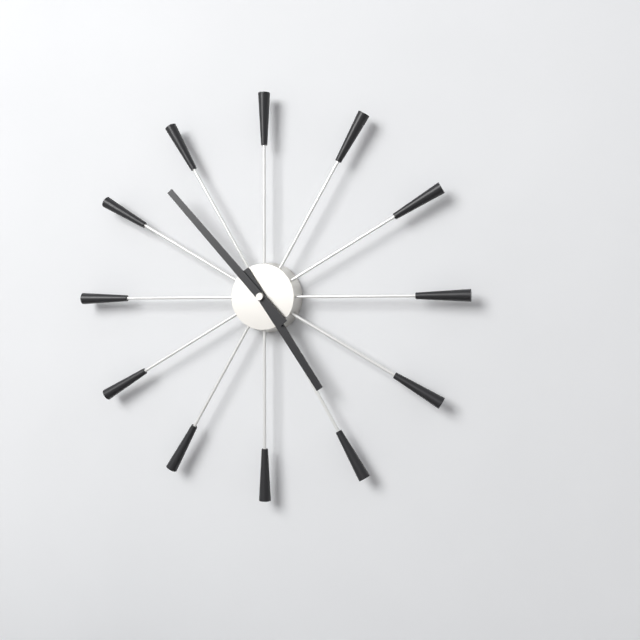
4,53
